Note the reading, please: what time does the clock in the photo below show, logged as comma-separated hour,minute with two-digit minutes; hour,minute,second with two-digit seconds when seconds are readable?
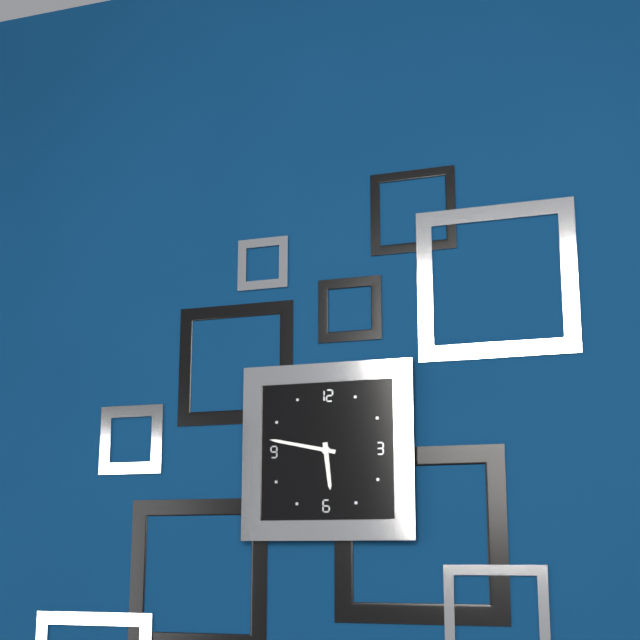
5,47
